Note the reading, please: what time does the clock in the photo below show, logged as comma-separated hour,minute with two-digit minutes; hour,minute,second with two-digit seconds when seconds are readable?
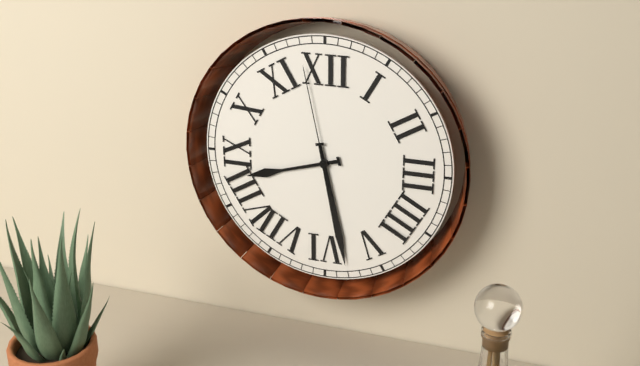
8,28,58
